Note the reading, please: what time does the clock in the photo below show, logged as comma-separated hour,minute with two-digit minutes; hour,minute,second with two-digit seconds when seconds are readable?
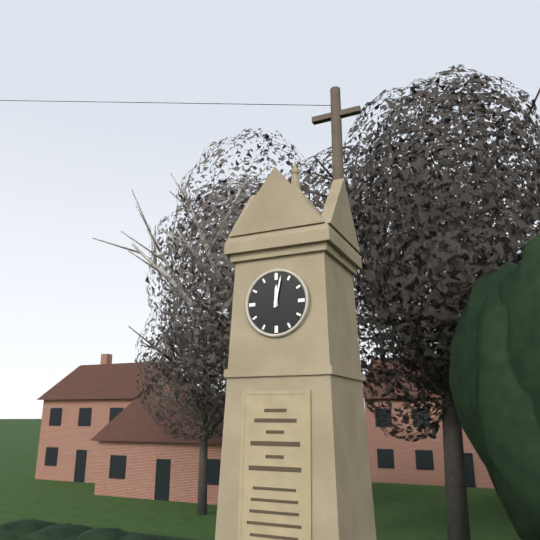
12,02
